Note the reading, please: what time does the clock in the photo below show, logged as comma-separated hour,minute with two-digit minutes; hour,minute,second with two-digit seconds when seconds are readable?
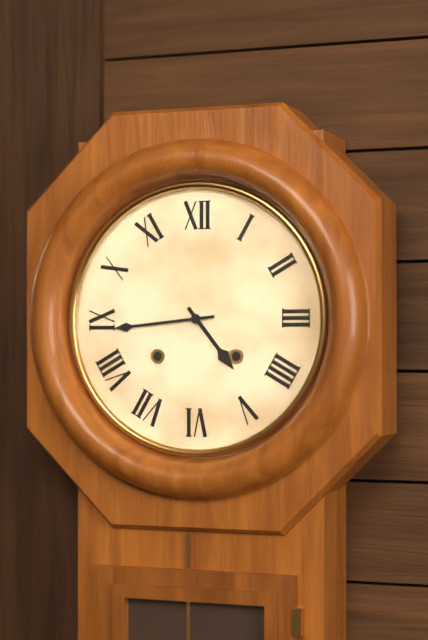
4,44
